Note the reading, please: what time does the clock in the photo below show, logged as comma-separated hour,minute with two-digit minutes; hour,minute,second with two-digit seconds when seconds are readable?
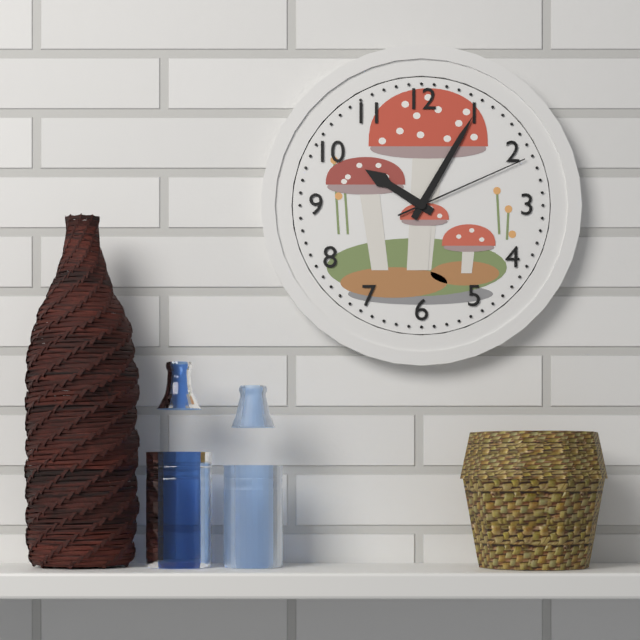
10,05,11
